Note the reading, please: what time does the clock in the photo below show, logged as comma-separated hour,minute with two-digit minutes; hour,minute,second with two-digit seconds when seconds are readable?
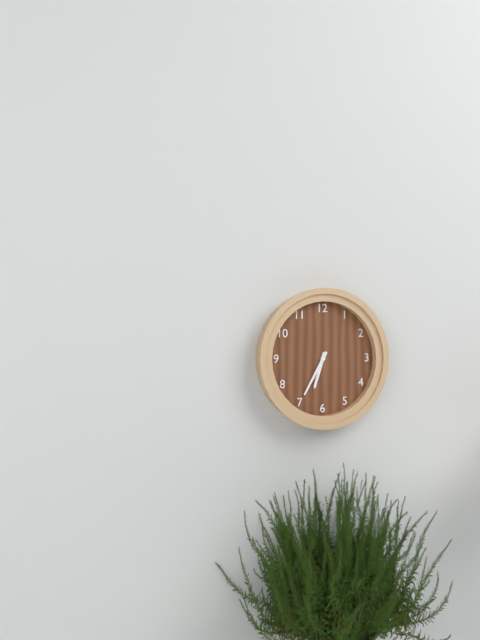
6,35
